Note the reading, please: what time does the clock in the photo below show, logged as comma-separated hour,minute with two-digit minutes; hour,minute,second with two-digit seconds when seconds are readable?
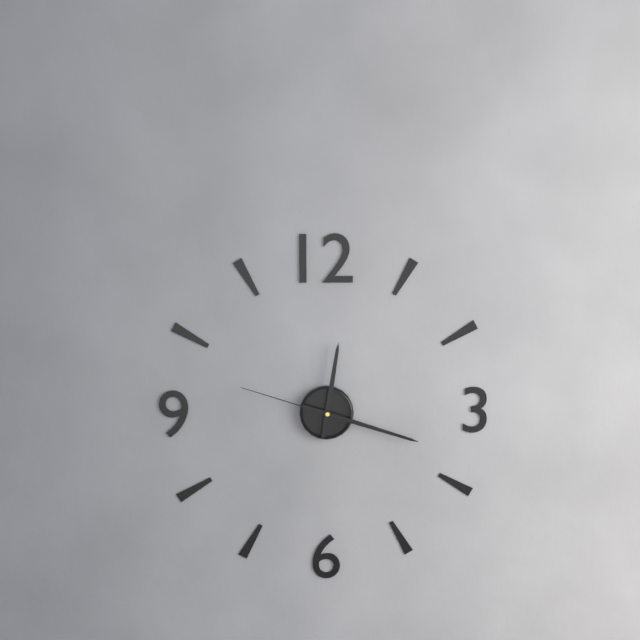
12,18,48
